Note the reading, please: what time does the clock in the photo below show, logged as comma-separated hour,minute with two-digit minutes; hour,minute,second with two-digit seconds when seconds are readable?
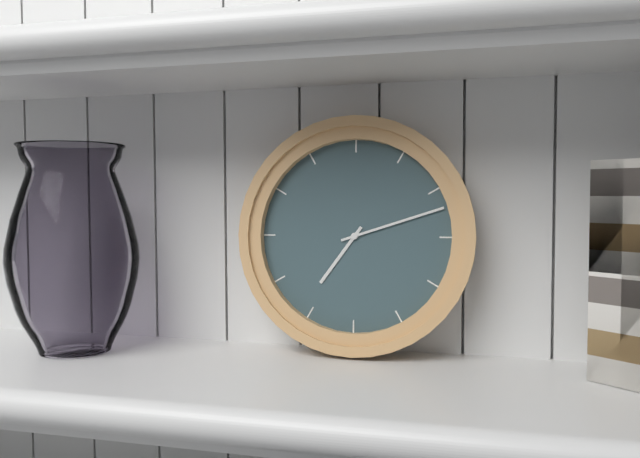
7,12
